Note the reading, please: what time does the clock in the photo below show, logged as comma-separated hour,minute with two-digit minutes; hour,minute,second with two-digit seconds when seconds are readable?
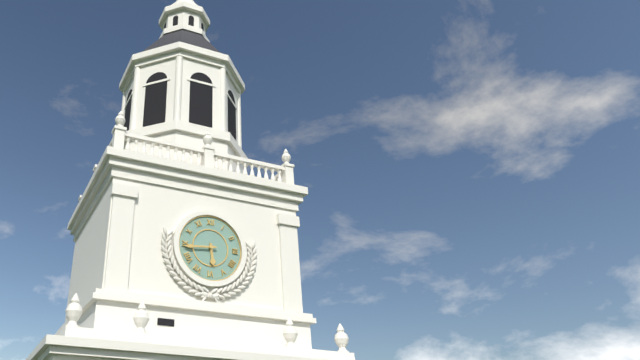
5,44
